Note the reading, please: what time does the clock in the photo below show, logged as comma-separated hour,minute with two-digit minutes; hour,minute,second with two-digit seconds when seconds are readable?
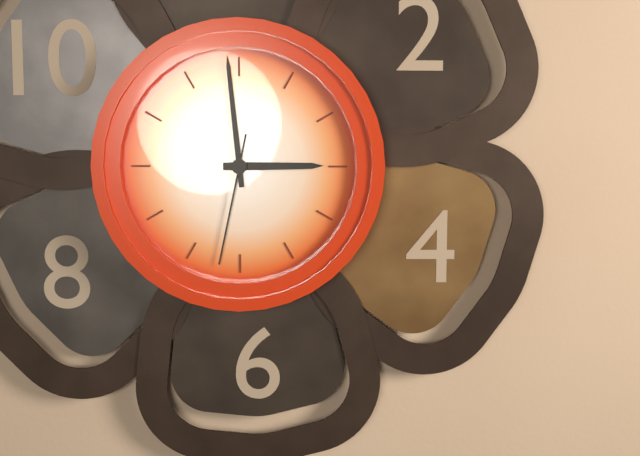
2,59,32
